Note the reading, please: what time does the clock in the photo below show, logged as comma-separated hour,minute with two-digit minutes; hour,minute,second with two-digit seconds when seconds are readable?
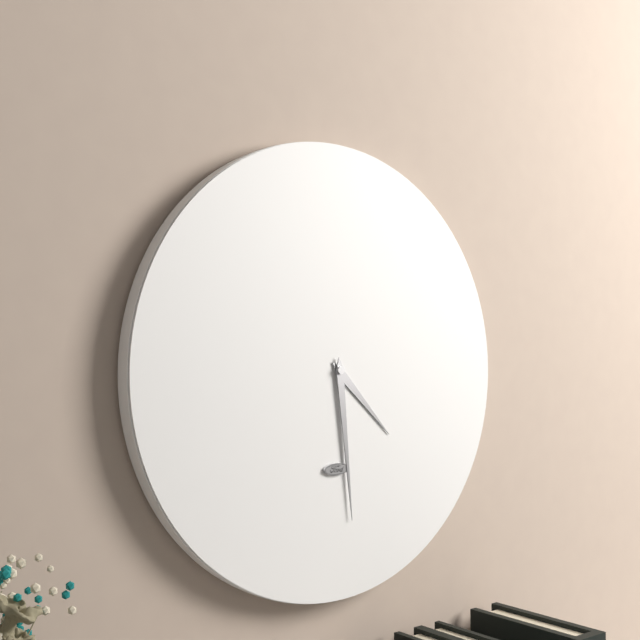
4,29
